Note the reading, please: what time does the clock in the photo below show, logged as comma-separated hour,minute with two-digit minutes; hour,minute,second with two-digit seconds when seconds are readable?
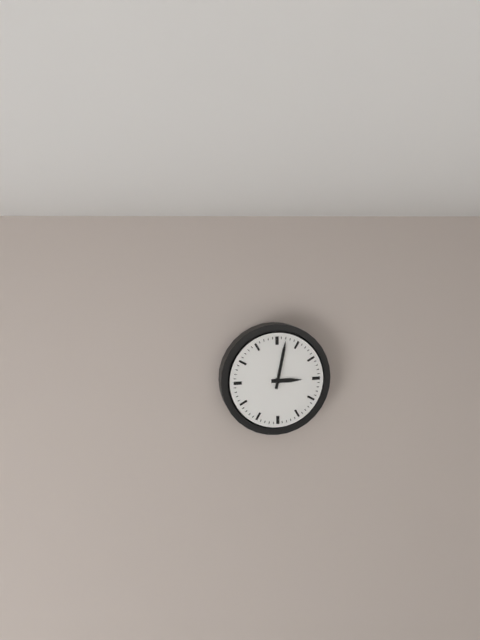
3,02
